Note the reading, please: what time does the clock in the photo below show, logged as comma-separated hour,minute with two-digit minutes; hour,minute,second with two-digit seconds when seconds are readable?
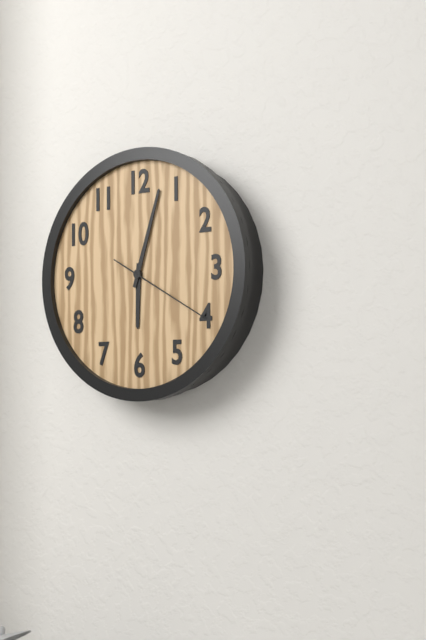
6,03,20
